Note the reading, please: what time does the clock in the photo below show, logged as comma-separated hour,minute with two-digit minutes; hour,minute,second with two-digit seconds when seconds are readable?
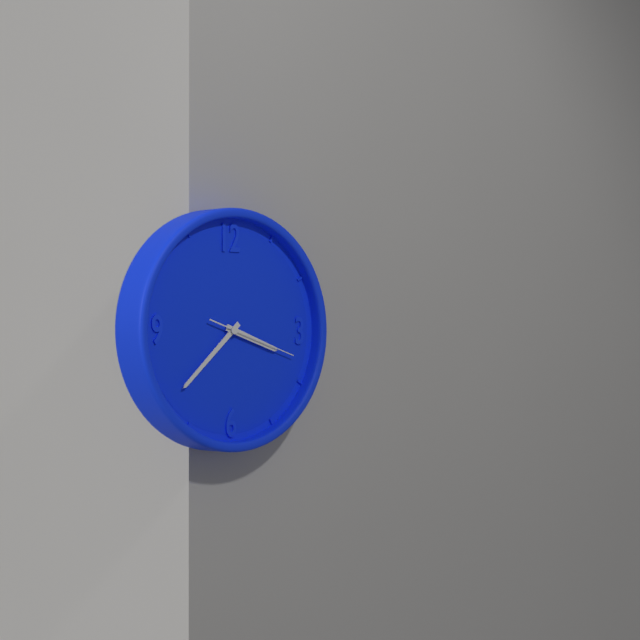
3,38,18
